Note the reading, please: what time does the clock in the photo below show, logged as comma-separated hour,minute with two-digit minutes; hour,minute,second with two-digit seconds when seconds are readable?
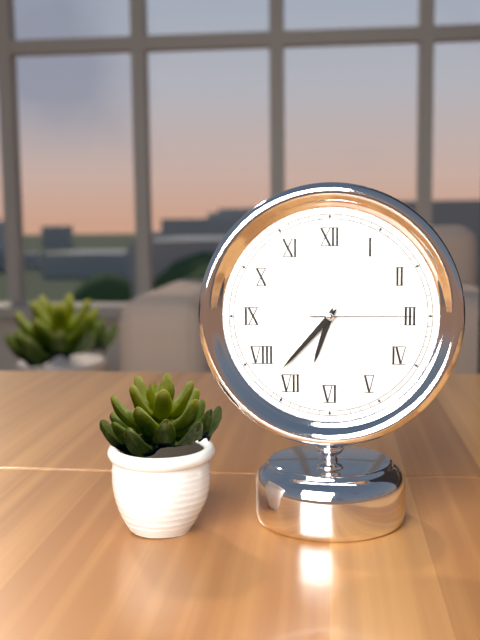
6,37,15
